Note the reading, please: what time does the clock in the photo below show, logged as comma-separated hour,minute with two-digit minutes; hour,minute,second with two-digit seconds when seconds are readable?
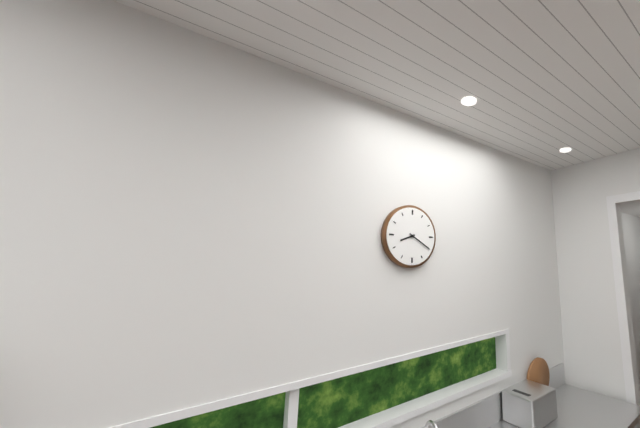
8,20
